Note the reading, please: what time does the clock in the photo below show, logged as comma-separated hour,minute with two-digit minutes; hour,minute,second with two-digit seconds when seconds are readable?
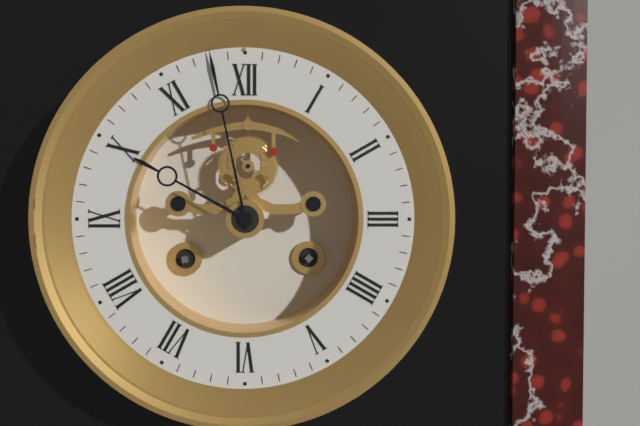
9,58
